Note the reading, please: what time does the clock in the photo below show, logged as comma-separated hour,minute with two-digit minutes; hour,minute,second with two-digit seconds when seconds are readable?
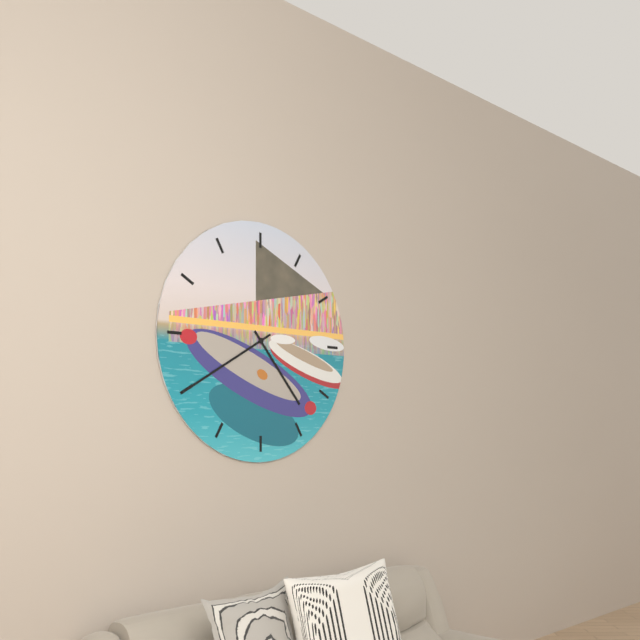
4,40
